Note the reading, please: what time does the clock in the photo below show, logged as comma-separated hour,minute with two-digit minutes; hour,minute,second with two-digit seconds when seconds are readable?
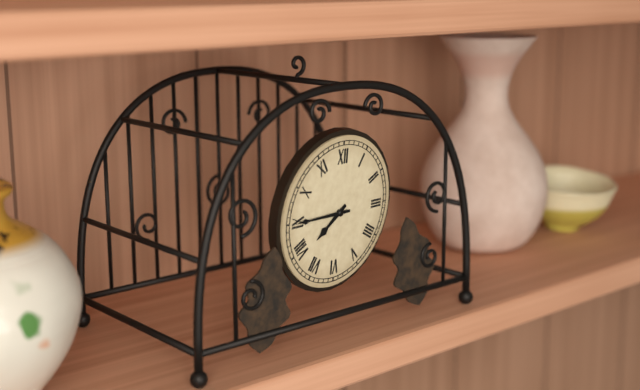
7,45
